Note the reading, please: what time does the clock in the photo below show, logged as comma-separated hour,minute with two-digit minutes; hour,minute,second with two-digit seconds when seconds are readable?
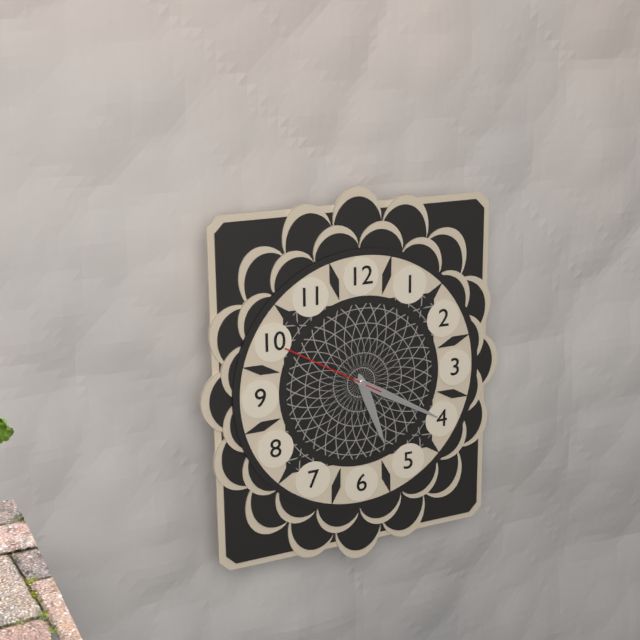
5,20,50
